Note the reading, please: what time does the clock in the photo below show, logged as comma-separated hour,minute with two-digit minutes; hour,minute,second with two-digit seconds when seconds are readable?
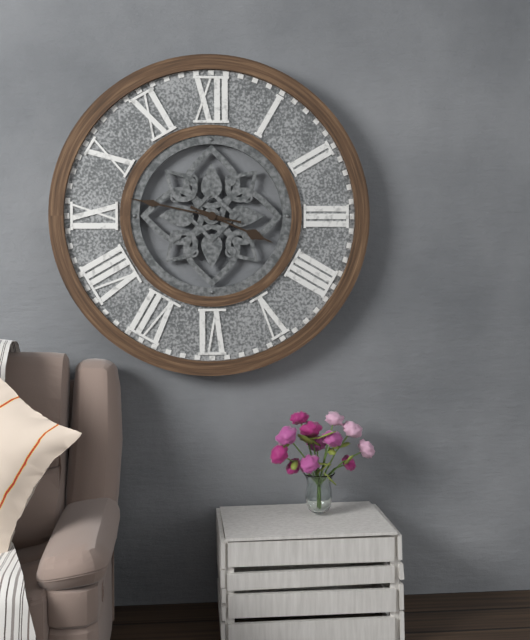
3,47
